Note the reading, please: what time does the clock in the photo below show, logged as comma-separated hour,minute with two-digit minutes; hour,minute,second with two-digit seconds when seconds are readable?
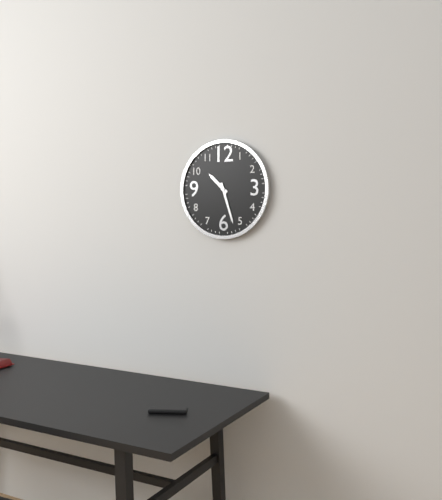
10,27
